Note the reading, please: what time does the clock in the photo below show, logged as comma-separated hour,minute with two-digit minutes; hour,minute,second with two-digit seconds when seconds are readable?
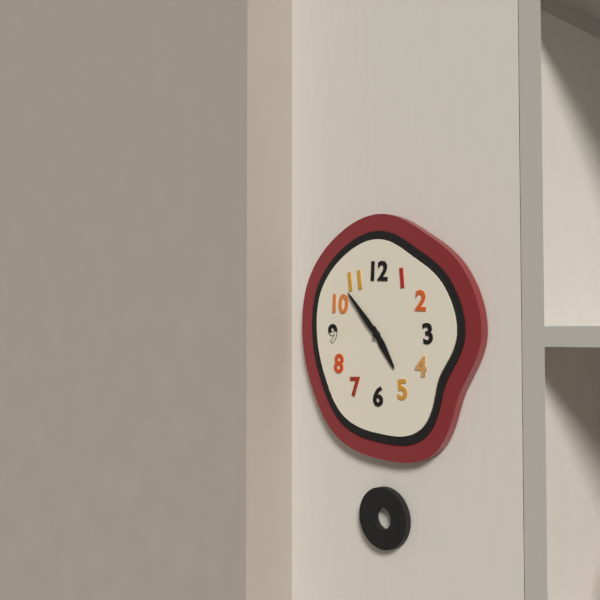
4,53
